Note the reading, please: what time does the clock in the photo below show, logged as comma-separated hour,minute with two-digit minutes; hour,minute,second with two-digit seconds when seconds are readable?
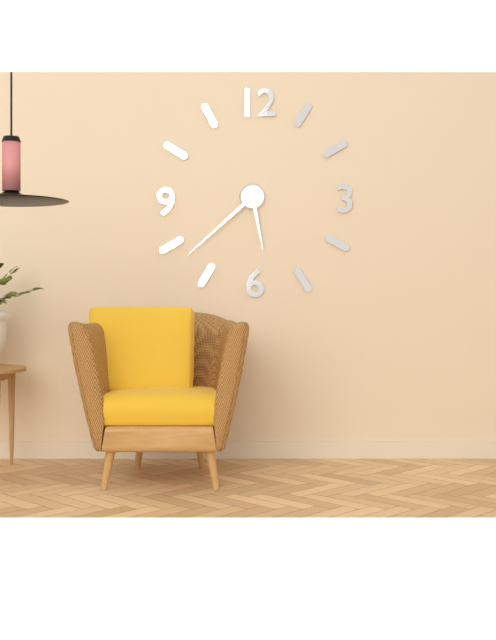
5,38
